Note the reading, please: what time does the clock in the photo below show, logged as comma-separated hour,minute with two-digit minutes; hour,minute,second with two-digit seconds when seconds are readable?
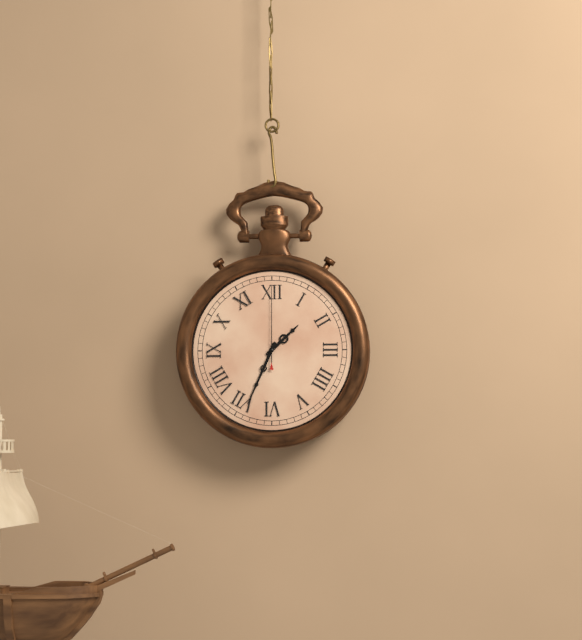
1,34,00
